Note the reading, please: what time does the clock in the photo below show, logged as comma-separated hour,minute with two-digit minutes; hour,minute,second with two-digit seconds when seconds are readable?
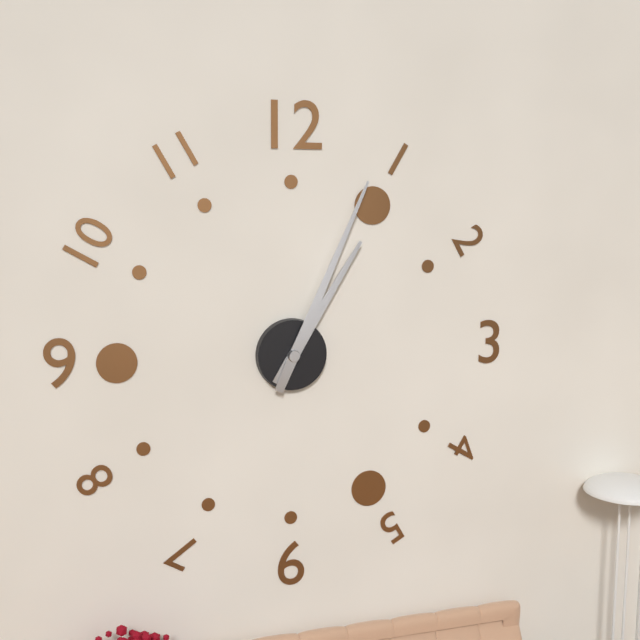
1,04
